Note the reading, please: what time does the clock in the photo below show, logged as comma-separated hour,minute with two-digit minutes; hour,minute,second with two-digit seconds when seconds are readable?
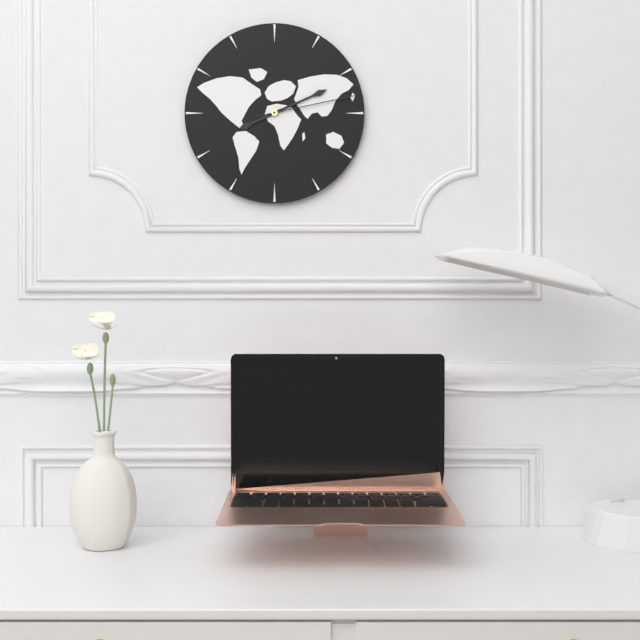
8,11,13
